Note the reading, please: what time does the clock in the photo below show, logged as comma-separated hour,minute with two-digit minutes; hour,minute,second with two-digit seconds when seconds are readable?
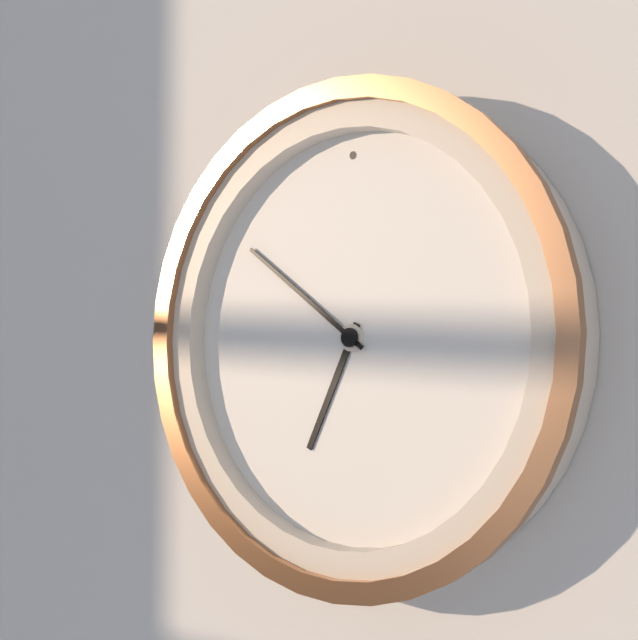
6,51
